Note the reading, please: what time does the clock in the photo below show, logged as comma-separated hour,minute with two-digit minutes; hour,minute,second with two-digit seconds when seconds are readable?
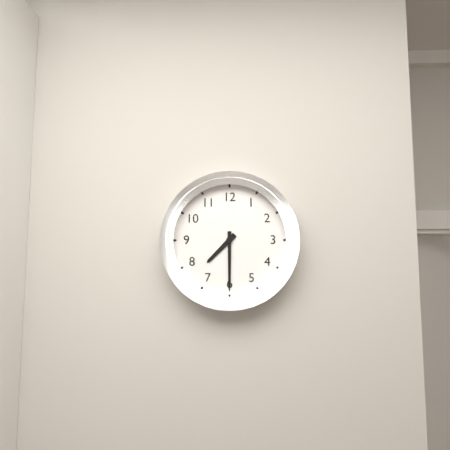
7,30
